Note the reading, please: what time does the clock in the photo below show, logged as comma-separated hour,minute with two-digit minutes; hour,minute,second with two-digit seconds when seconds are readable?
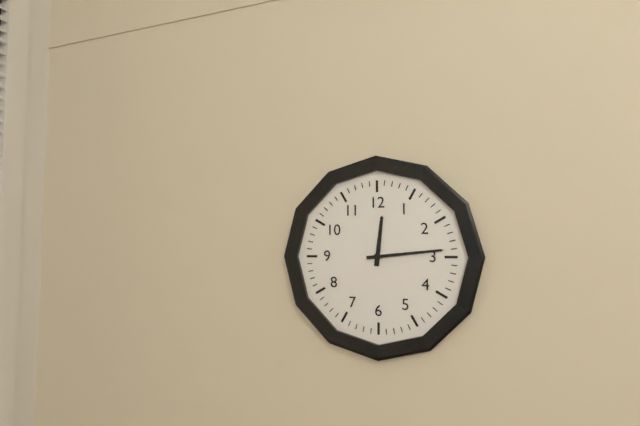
12,14
